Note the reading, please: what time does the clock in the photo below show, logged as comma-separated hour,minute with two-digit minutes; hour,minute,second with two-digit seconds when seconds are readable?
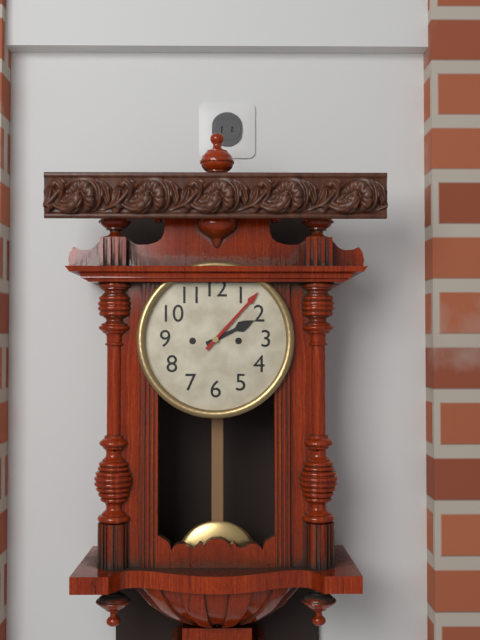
2,07
